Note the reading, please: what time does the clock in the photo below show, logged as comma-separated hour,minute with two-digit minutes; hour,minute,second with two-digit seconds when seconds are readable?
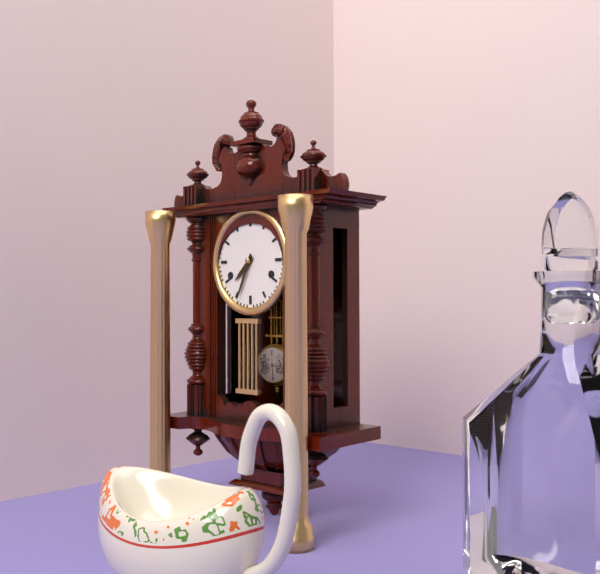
7,34
